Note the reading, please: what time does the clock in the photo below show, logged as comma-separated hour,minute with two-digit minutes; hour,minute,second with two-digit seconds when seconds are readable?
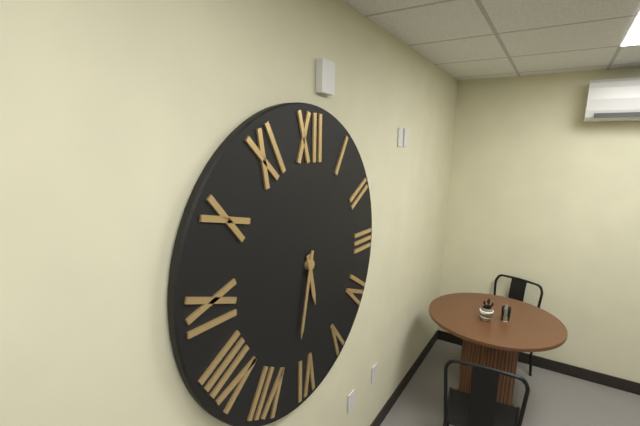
5,32
